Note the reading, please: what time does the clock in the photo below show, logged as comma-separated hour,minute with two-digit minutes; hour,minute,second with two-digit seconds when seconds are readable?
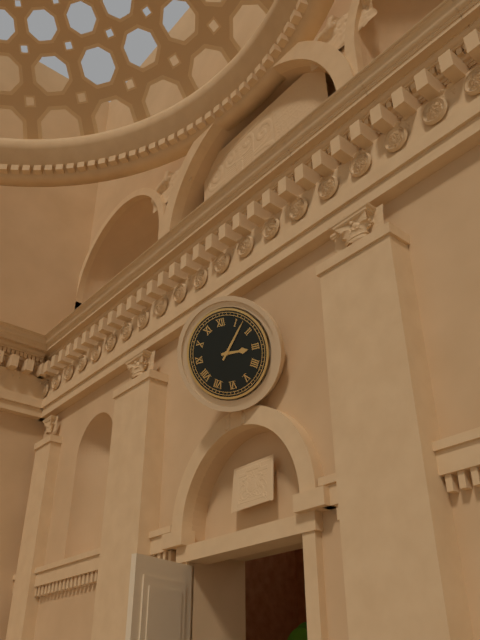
3,07
